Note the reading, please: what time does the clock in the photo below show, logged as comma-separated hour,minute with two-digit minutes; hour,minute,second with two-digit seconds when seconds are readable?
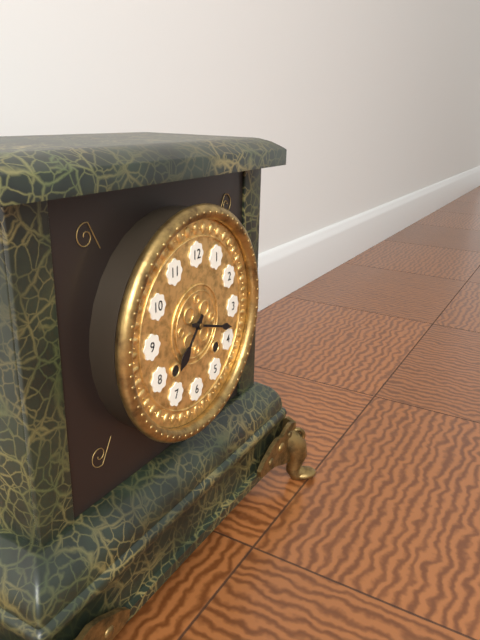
7,18
